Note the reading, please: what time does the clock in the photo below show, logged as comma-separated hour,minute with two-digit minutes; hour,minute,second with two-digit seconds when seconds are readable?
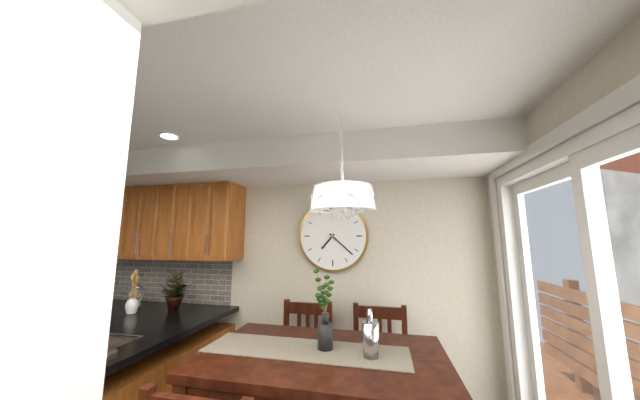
7,22
